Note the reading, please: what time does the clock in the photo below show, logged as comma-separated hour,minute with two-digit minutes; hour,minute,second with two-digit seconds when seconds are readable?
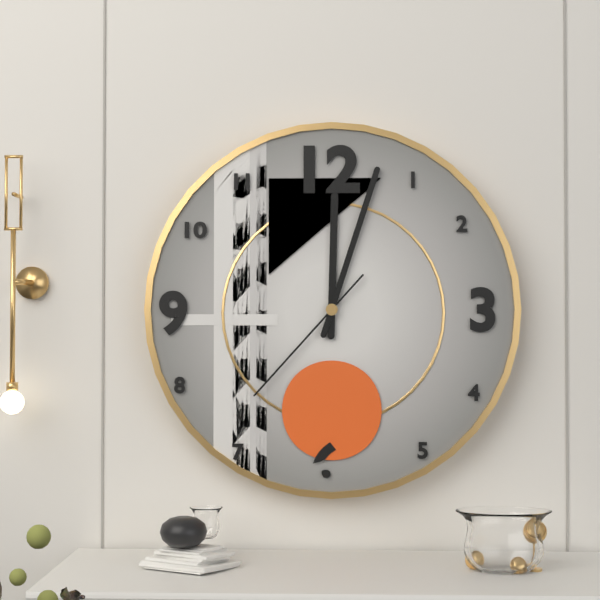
12,03,37
